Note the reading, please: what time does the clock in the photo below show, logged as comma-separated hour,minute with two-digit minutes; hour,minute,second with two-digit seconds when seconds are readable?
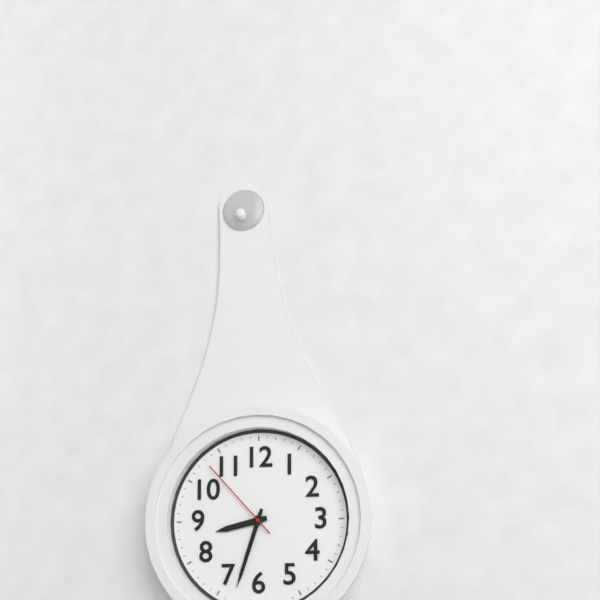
8,33,53
